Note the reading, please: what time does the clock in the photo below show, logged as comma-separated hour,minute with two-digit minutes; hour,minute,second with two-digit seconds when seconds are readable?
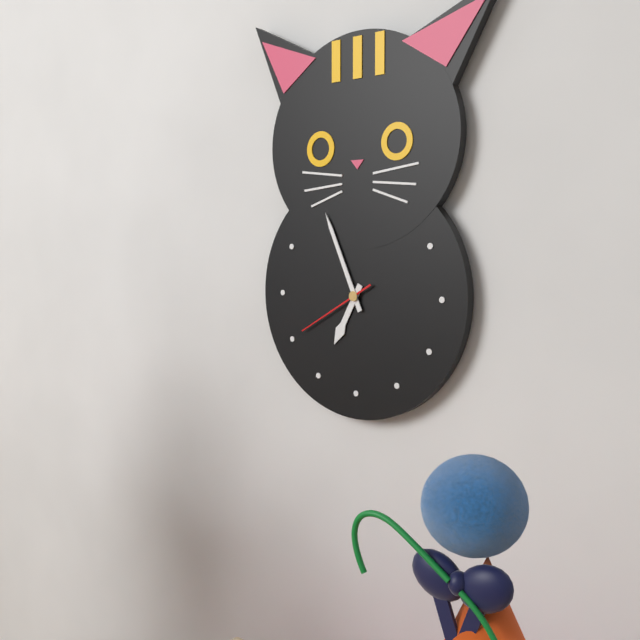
6,56,40
